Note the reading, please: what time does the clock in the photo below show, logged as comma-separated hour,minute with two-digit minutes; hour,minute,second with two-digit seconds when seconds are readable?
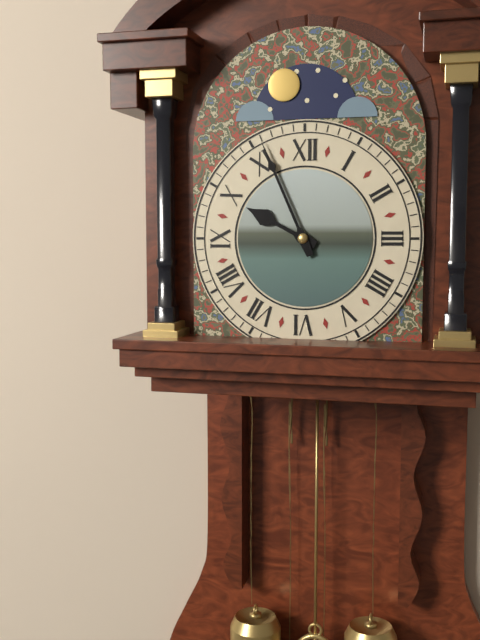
9,56
